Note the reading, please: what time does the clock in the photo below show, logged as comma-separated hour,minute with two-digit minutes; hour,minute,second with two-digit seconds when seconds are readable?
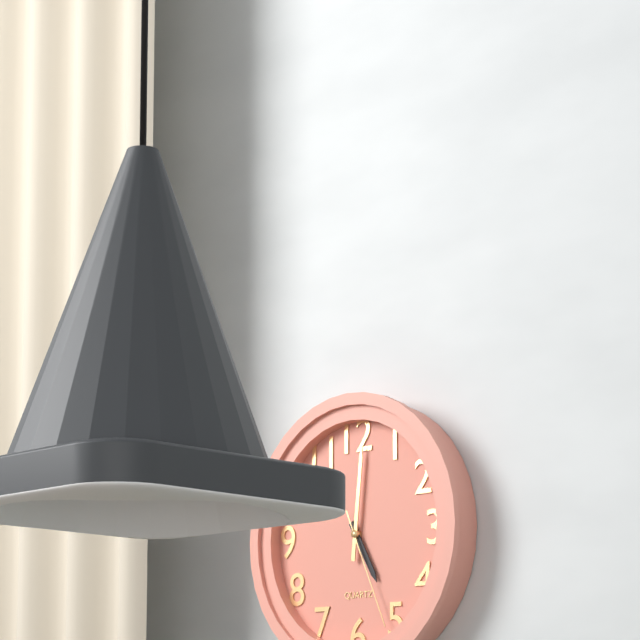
5,01,26
